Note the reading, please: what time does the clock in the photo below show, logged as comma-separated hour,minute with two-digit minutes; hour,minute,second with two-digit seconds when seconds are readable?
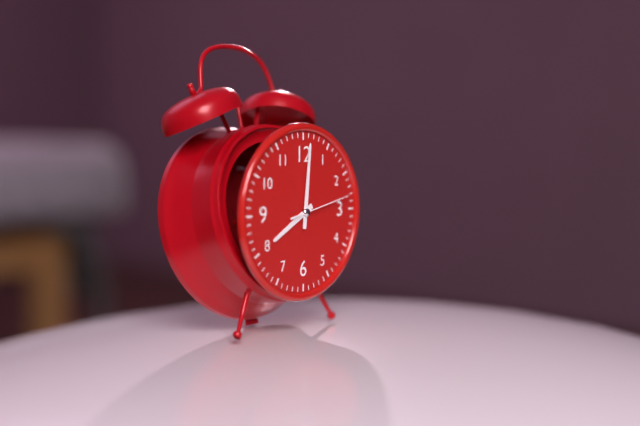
8,01,13
